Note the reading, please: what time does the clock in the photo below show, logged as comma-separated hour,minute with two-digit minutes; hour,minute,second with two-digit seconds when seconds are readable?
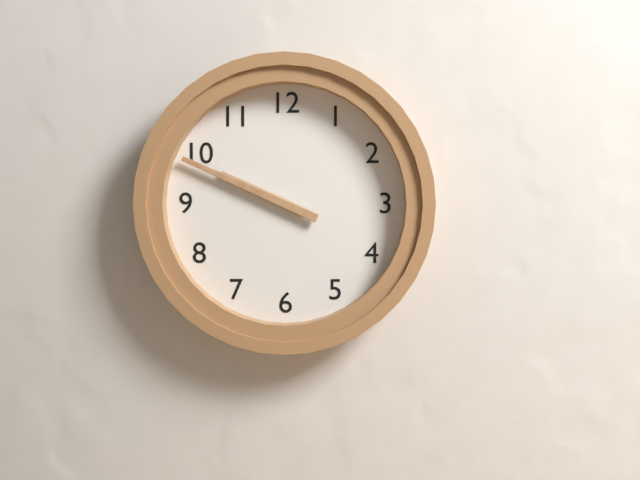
9,49
